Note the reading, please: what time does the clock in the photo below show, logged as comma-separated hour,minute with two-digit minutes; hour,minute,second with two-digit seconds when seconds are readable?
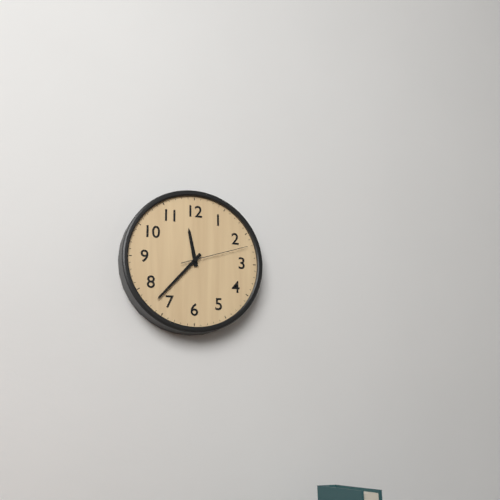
11,37,12
